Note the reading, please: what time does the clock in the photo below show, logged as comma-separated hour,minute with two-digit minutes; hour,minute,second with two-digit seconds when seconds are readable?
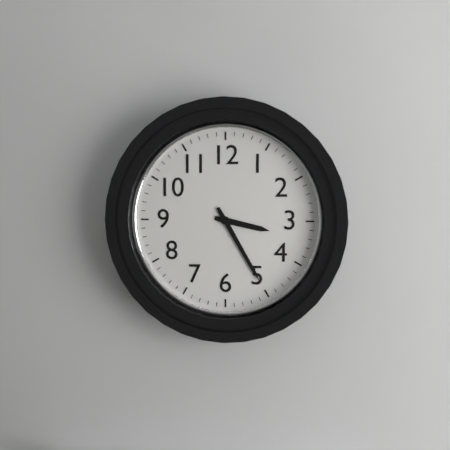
3,25
